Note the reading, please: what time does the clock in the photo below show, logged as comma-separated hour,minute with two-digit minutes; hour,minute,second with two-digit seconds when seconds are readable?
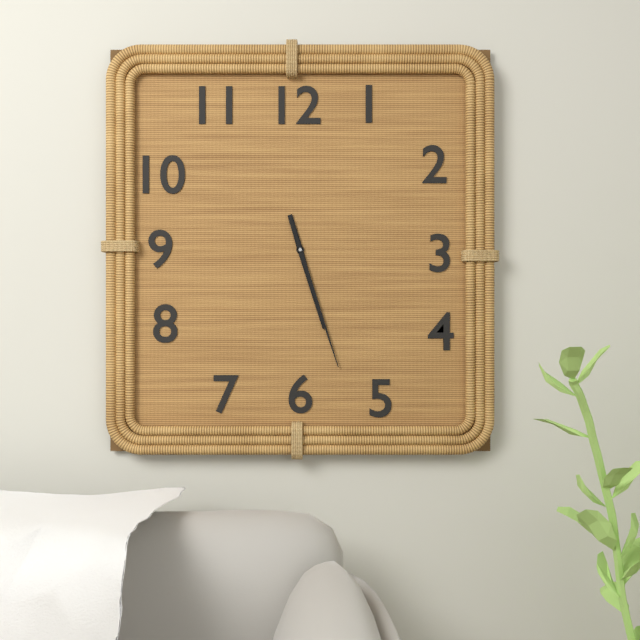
5,27
